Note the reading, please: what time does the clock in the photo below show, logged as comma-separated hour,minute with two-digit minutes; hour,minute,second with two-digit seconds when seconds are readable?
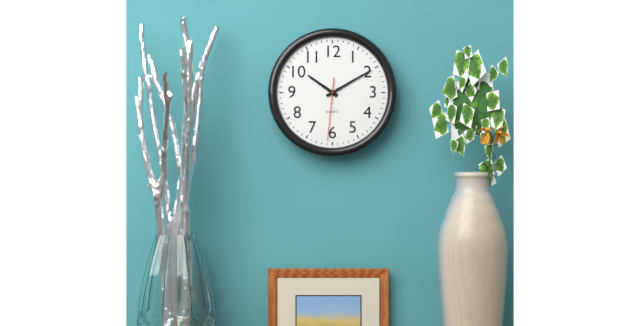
10,10,31
